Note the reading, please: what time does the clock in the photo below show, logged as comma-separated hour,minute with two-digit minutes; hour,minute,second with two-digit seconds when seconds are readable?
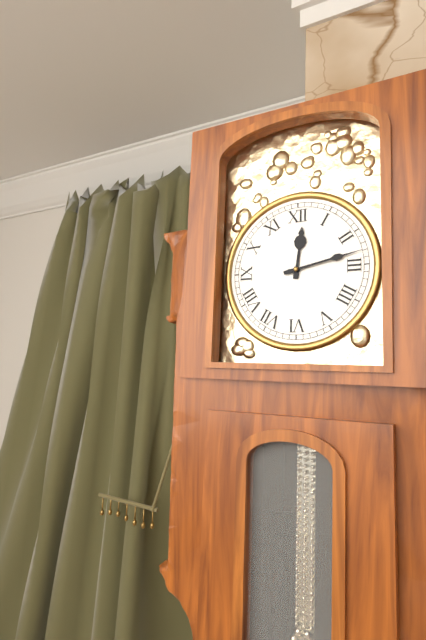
12,13
